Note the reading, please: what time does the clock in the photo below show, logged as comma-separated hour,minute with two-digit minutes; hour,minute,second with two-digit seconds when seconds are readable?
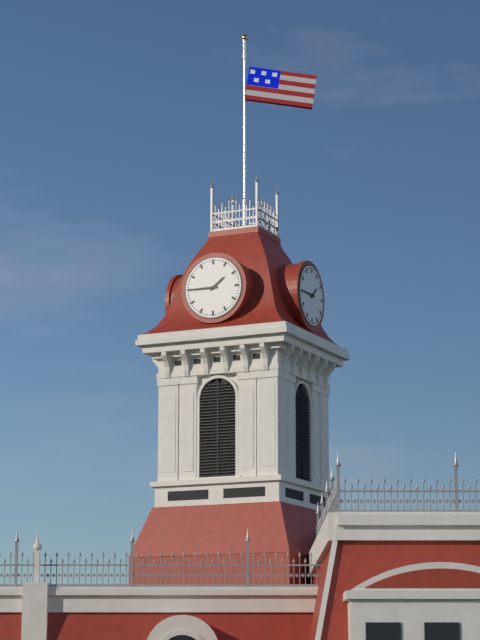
1,45
